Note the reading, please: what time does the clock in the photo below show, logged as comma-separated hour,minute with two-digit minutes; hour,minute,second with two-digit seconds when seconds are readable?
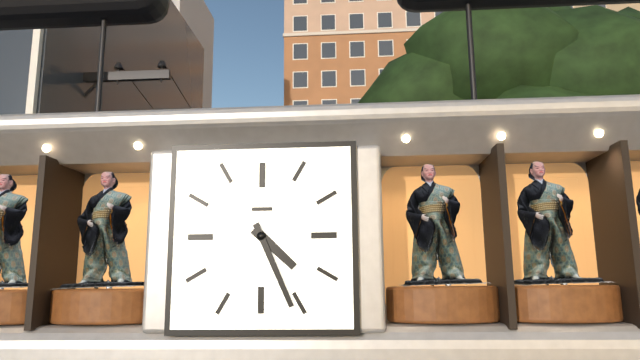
4,26
